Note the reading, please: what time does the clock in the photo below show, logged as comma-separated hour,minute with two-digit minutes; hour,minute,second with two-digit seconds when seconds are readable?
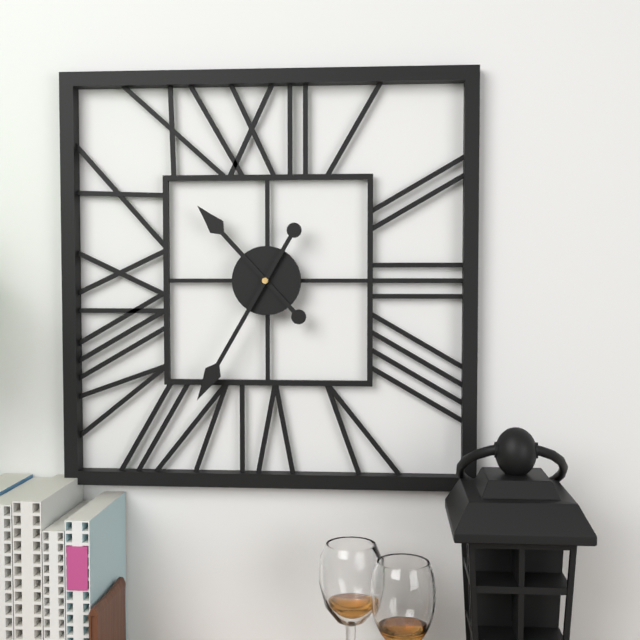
10,35
